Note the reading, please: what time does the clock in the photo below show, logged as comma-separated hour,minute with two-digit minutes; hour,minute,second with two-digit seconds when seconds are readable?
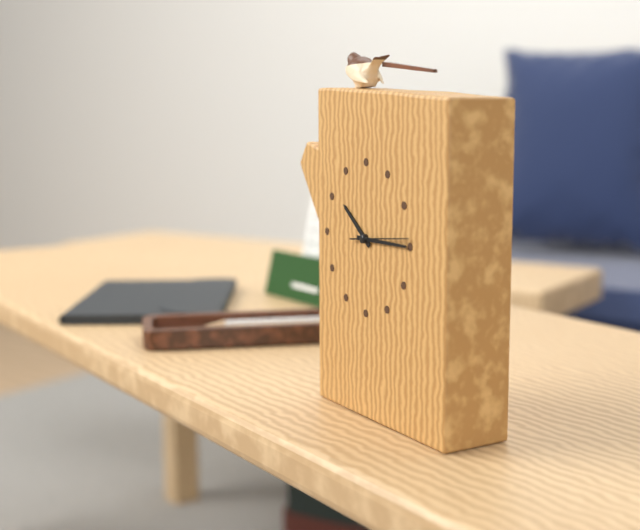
10,15,14
